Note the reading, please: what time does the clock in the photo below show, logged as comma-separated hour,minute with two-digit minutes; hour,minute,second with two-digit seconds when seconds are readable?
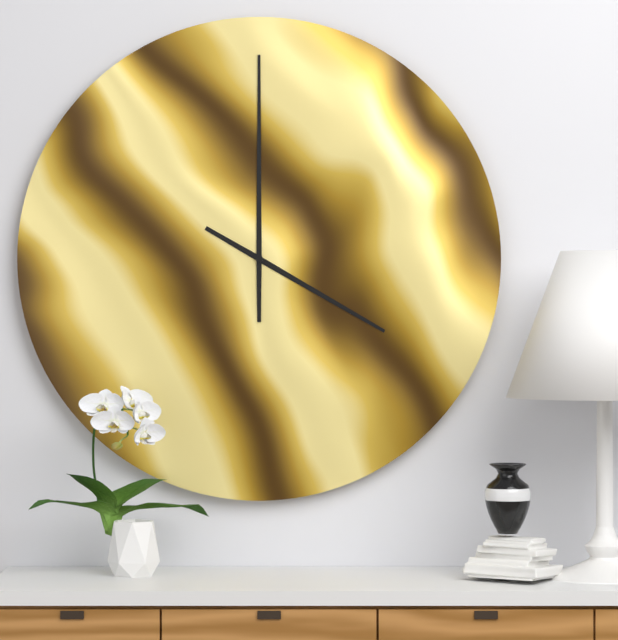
4,00
